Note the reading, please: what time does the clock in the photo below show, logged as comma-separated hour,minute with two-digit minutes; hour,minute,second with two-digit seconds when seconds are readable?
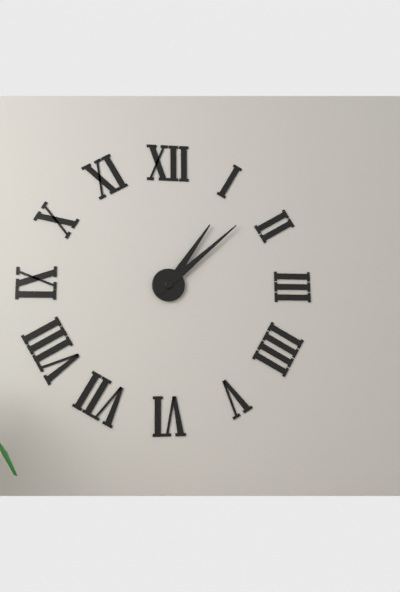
1,08
